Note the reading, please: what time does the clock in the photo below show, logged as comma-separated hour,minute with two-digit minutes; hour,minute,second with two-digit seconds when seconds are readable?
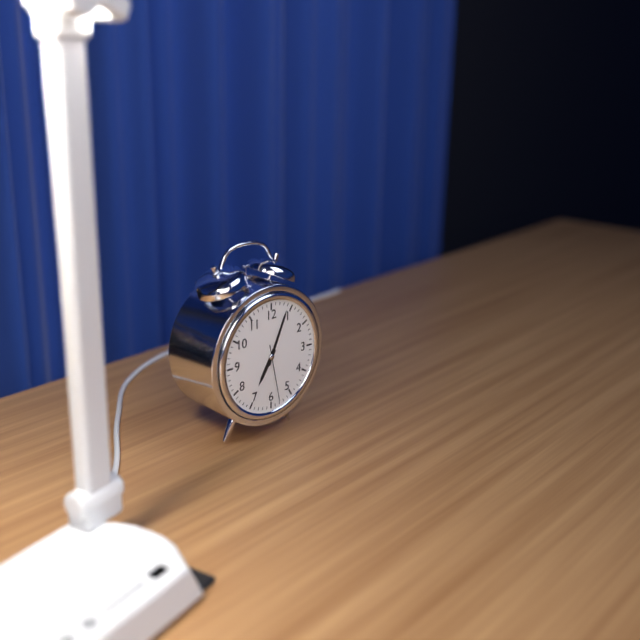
7,04,28
